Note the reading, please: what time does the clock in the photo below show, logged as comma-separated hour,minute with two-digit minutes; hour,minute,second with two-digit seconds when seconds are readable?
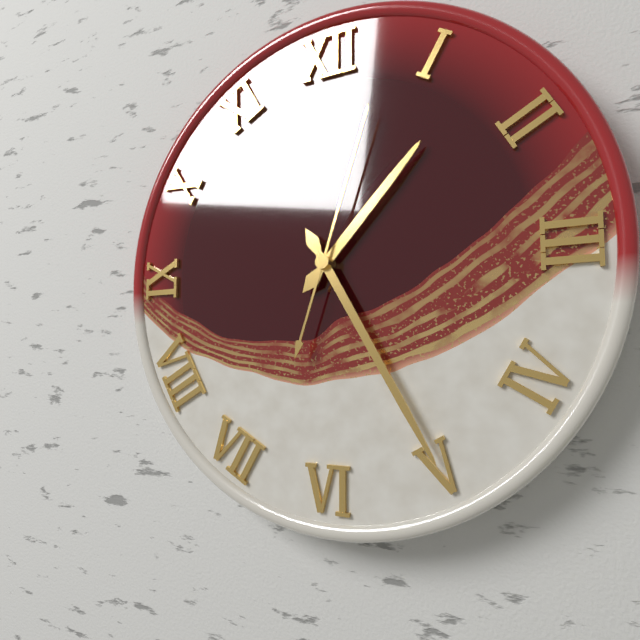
1,25,03
